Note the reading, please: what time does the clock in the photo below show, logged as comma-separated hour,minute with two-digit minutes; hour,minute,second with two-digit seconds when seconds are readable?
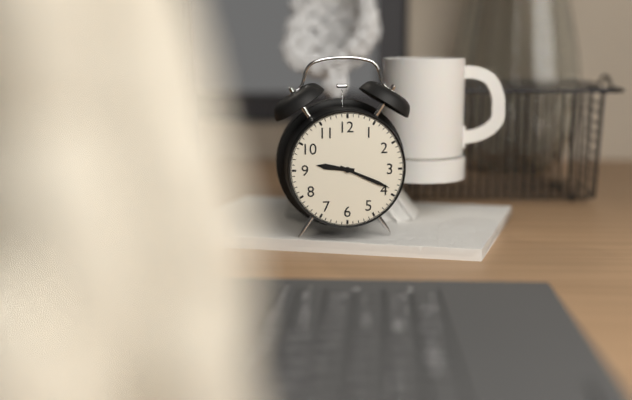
9,19
